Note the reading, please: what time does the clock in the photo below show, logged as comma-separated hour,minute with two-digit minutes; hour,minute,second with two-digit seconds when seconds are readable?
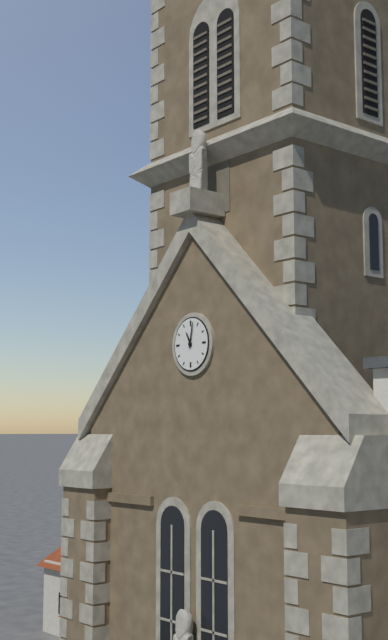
11,02
